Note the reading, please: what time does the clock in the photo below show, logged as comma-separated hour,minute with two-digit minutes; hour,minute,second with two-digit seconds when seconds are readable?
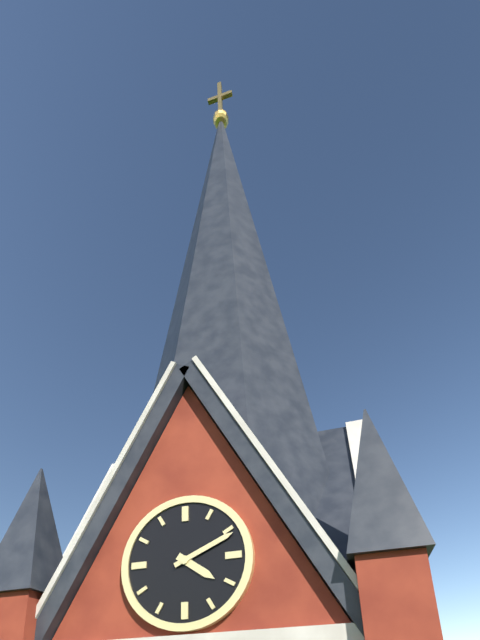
4,11
